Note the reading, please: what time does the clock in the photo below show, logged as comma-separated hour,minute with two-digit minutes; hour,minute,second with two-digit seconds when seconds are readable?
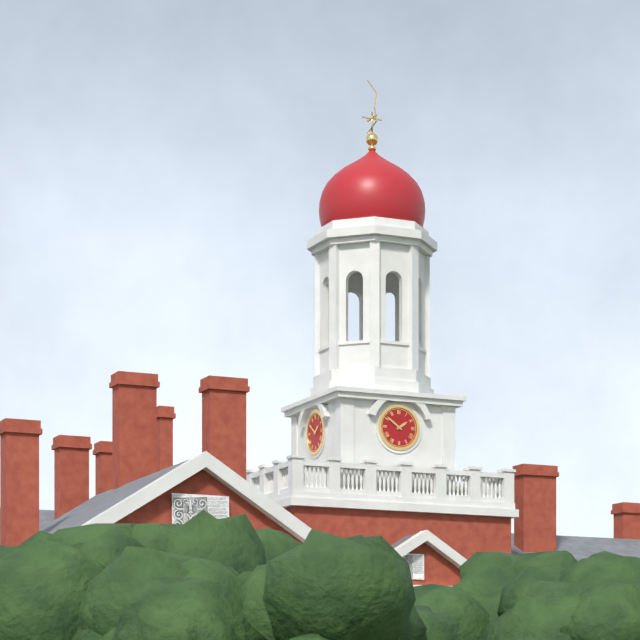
1,51
